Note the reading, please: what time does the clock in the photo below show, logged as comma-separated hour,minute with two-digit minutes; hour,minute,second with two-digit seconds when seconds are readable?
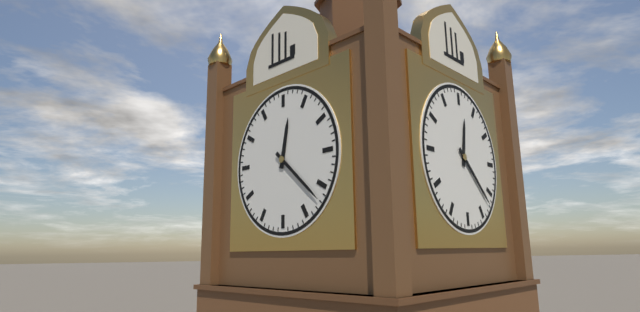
12,22
